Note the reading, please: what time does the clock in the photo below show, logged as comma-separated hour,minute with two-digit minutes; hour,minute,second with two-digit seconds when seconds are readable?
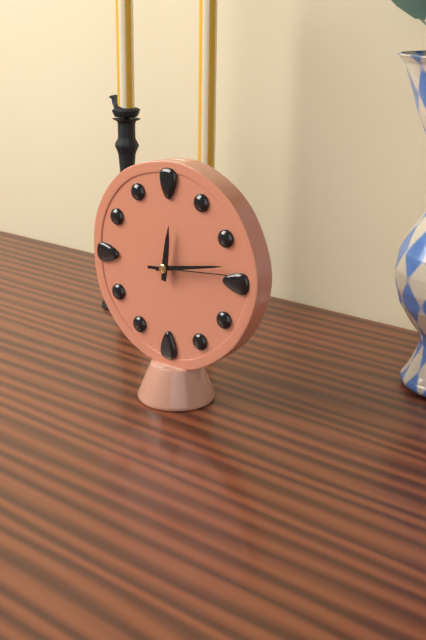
12,13,14
